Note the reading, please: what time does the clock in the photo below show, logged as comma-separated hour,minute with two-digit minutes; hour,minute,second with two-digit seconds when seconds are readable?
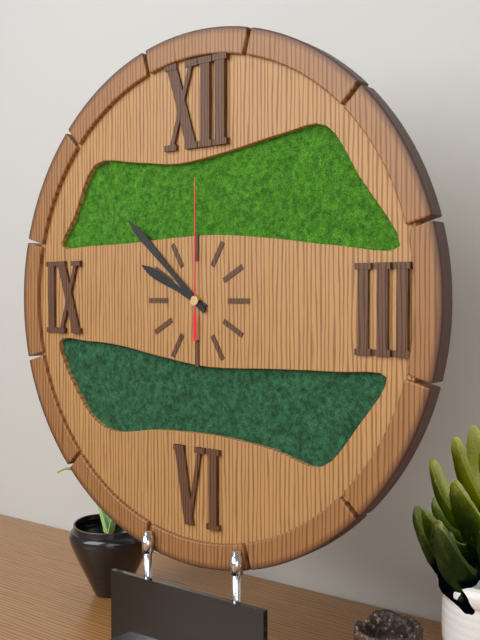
9,52,00
